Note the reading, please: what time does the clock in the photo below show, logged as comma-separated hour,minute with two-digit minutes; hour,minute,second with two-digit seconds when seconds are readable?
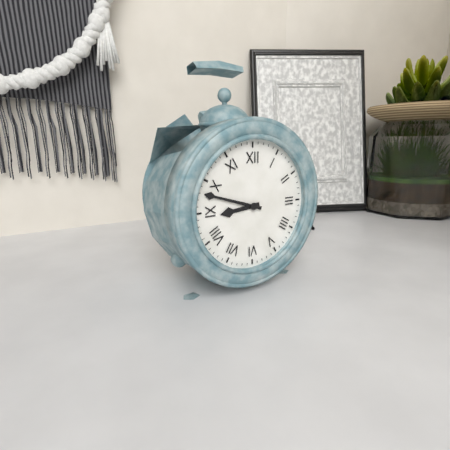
8,48
